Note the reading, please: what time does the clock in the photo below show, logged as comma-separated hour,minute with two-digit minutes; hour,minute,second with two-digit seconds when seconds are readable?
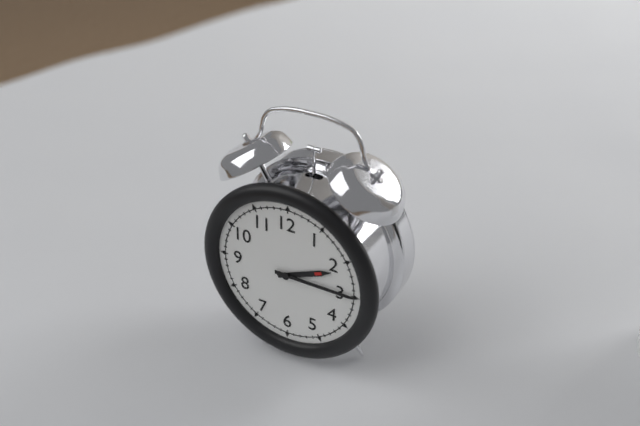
2,15
